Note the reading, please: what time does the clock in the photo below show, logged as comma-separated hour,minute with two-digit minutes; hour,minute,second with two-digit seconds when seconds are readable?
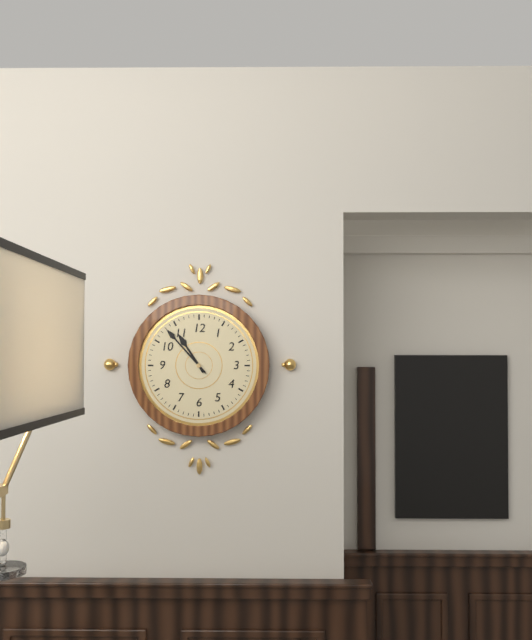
10,53,53
